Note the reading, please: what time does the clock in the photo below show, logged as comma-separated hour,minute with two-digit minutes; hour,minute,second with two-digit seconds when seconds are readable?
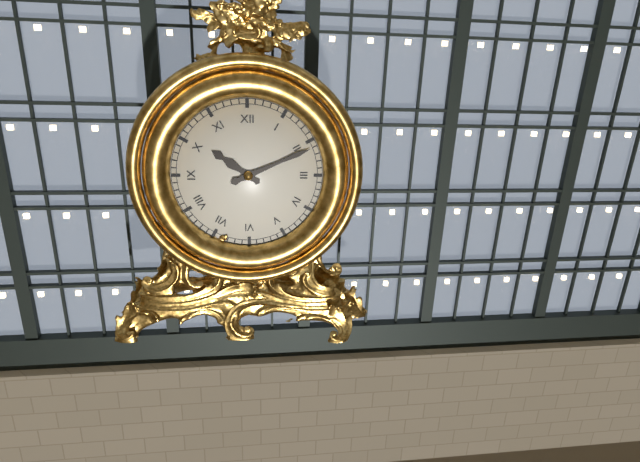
10,11
